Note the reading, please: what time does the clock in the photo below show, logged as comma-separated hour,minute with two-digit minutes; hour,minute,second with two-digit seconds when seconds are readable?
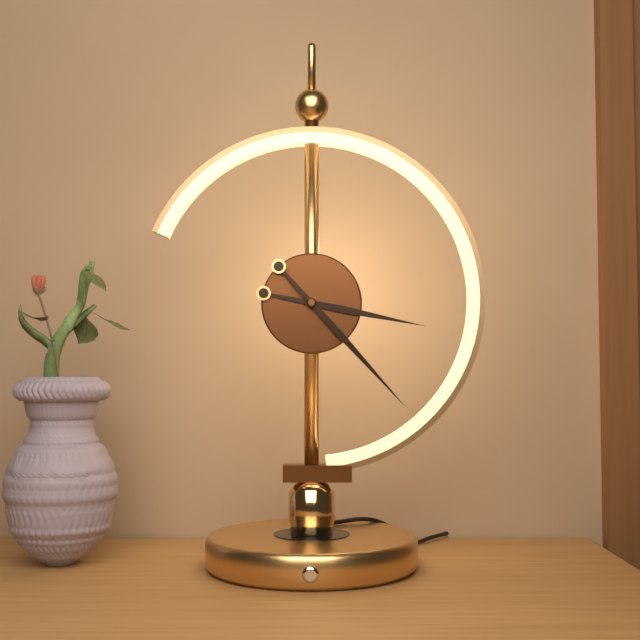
3,23
